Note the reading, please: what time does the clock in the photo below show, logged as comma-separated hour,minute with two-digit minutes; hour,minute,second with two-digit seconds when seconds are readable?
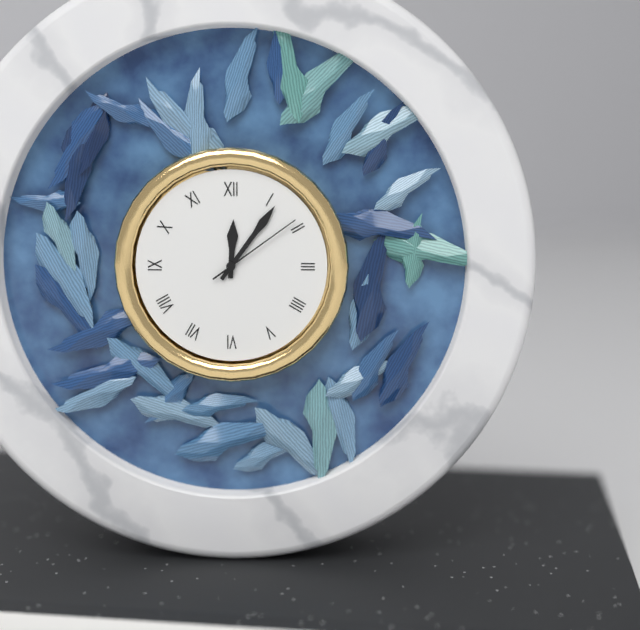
12,06,09
